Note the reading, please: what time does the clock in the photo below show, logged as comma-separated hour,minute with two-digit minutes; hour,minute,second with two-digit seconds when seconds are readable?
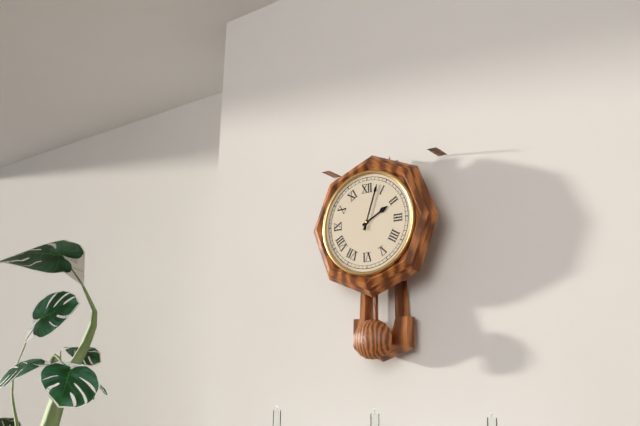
2,03
